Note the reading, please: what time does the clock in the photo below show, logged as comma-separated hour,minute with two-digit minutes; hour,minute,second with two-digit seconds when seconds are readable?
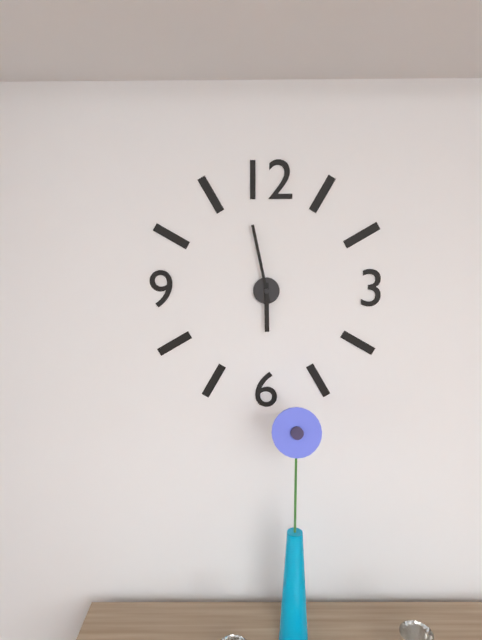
5,58
